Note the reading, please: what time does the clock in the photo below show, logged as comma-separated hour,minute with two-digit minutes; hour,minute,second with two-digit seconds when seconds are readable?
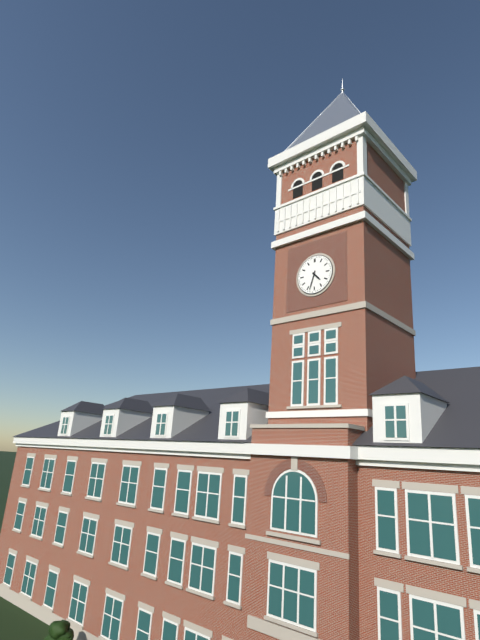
4,33
